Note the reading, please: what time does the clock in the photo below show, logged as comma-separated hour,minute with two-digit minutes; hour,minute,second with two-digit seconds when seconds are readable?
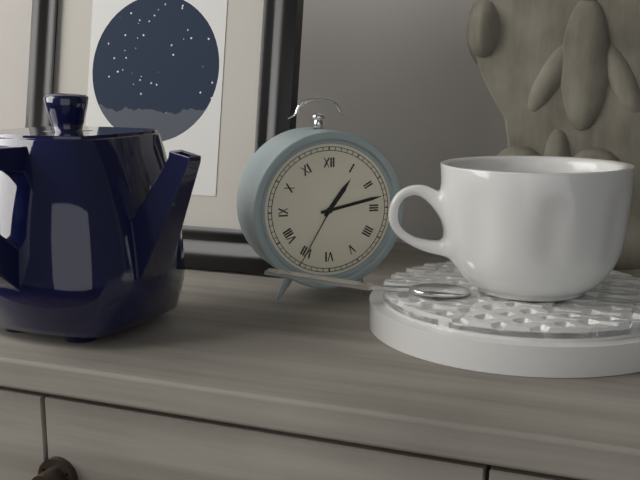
1,13,35
